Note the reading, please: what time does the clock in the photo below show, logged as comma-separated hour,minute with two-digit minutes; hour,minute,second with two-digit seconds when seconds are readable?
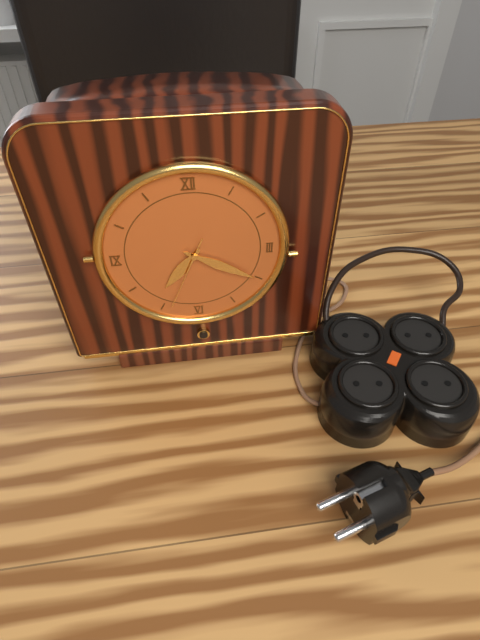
7,20,34
